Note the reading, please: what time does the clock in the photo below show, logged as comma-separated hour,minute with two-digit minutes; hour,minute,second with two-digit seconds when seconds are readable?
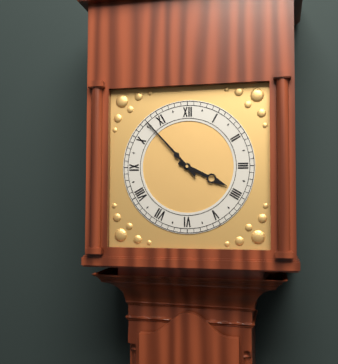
3,53
